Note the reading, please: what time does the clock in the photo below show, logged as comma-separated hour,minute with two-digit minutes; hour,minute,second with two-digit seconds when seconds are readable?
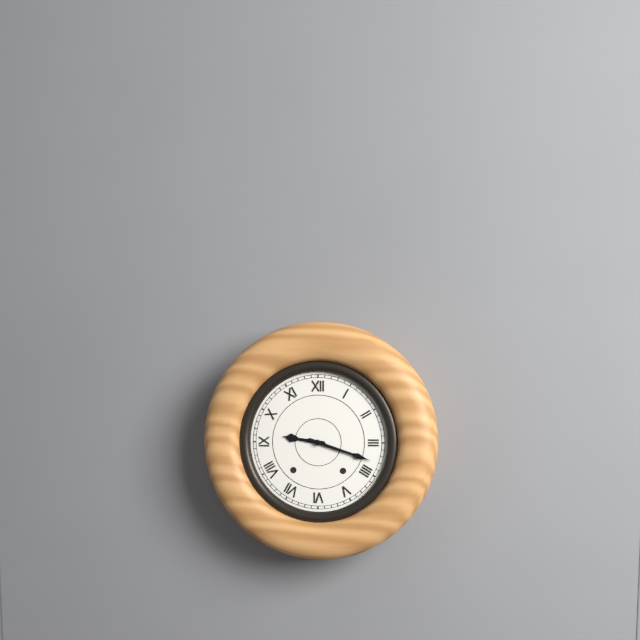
9,18
